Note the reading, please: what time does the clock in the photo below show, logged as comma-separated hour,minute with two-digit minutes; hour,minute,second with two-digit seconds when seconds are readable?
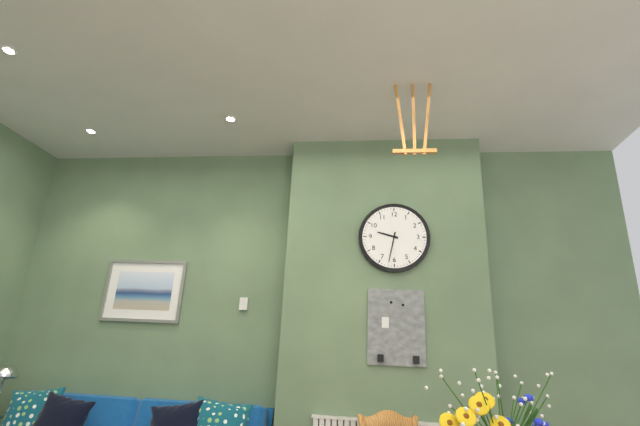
9,32
